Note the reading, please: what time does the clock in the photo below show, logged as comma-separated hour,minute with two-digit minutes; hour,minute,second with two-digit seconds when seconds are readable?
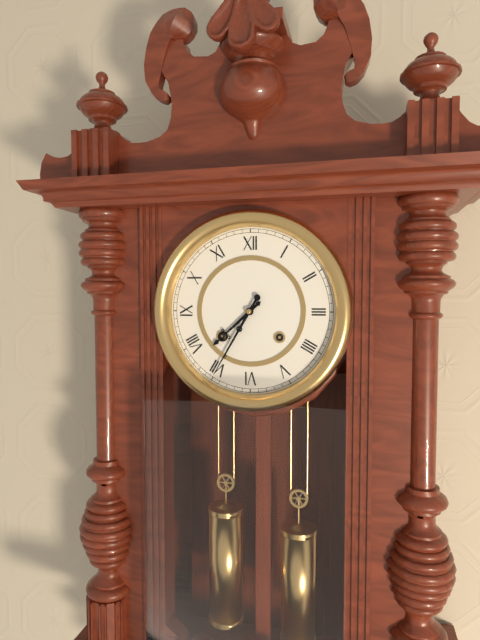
7,35
